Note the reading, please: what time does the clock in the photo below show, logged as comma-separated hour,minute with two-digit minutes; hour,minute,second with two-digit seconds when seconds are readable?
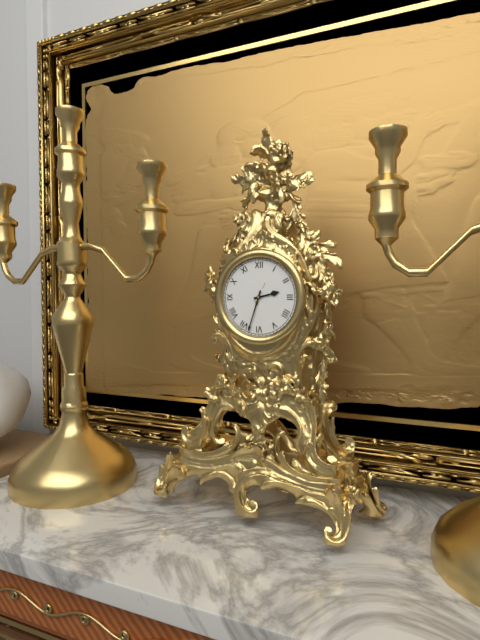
2,33
